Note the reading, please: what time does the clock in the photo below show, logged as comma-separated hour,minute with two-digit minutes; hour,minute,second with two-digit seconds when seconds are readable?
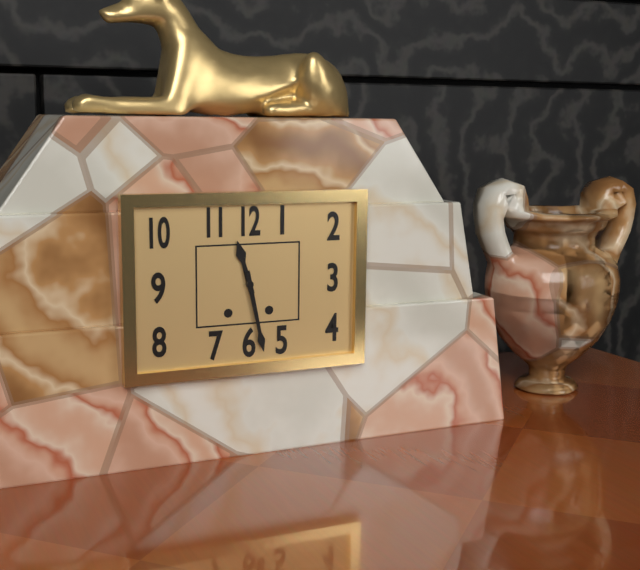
11,28
